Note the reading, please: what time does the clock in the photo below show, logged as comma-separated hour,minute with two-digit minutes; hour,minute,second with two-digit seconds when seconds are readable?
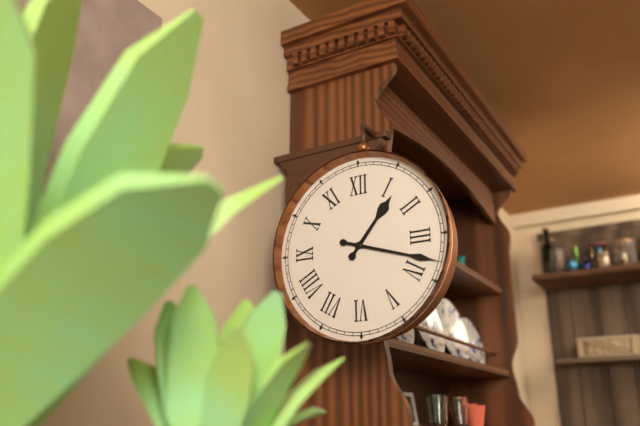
1,18
